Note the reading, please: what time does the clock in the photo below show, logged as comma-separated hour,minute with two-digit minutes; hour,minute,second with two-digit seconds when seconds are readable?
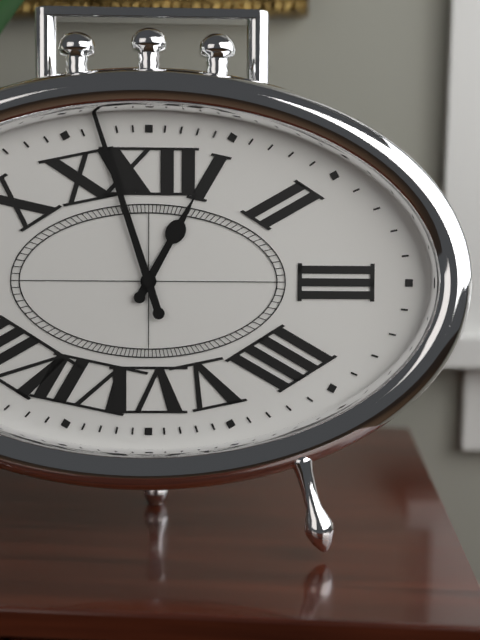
12,57
